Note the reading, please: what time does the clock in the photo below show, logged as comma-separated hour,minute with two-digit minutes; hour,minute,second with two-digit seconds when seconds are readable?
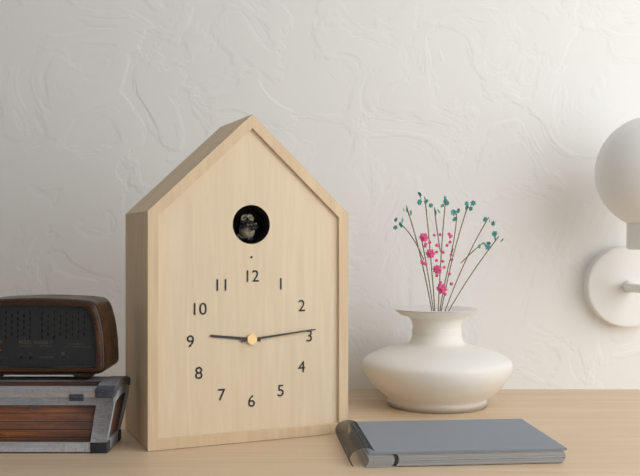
9,14
